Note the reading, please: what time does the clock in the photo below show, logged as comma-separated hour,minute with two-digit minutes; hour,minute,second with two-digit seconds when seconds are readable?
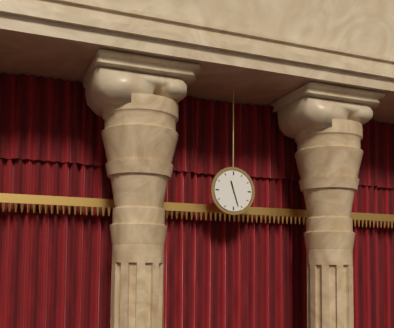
11,27
